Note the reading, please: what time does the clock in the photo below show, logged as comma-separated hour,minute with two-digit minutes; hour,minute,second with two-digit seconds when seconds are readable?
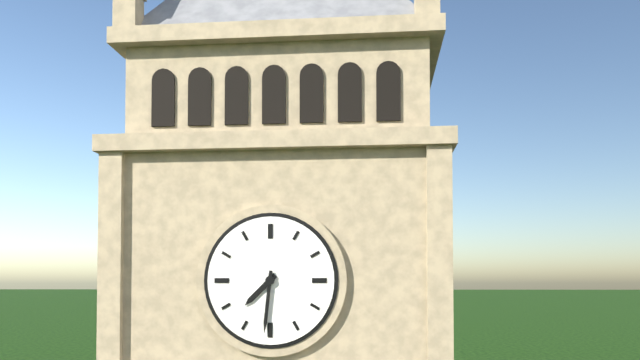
7,31
